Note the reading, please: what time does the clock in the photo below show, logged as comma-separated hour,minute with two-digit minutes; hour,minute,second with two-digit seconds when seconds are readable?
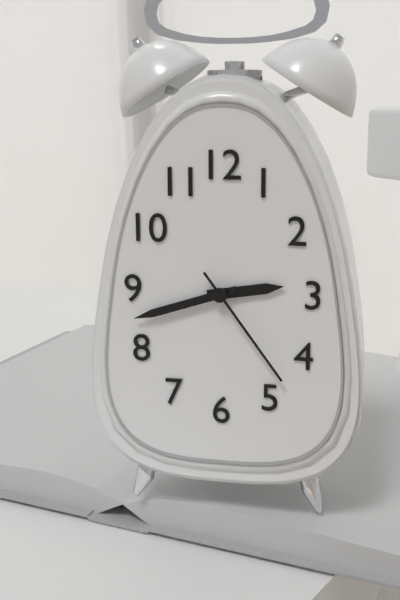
2,42,24
